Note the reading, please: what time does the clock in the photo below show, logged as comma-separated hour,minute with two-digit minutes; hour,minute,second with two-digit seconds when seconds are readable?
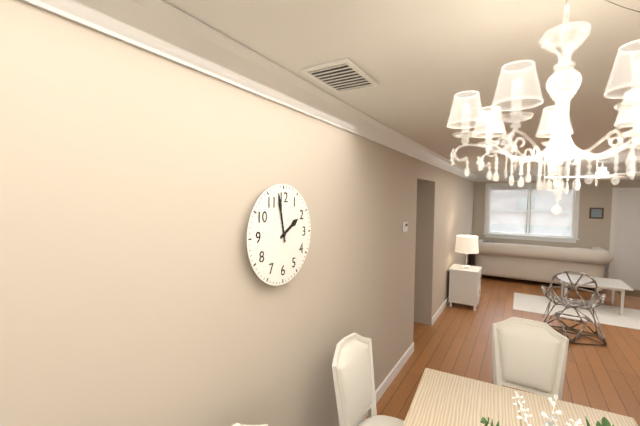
1,58
